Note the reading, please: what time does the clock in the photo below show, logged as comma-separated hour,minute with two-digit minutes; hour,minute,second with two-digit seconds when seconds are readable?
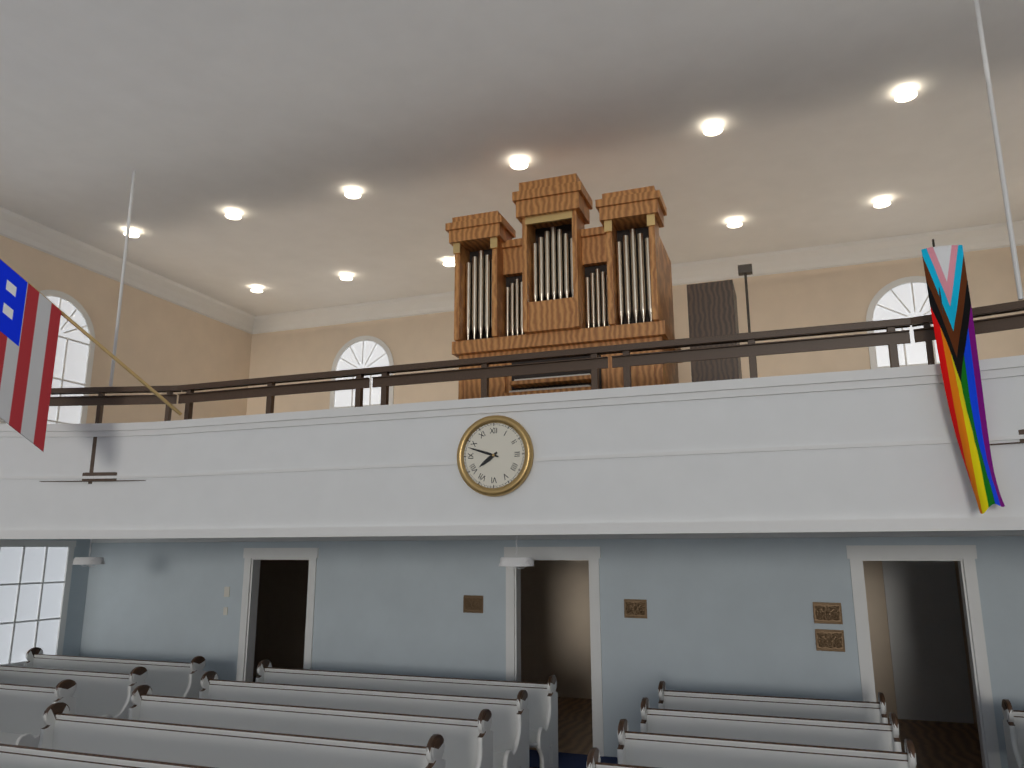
7,48
